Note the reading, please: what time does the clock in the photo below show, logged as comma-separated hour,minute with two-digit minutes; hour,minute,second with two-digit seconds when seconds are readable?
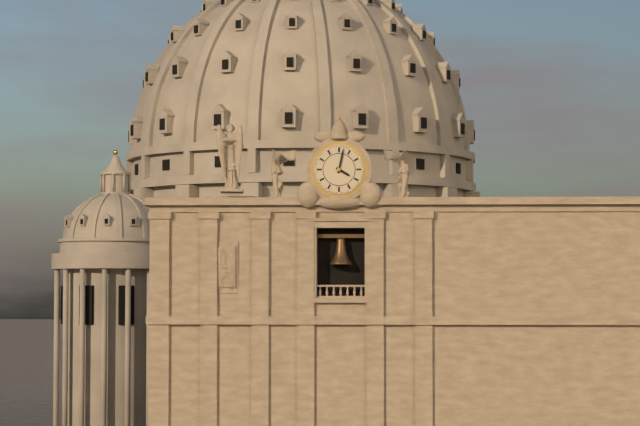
4,02
